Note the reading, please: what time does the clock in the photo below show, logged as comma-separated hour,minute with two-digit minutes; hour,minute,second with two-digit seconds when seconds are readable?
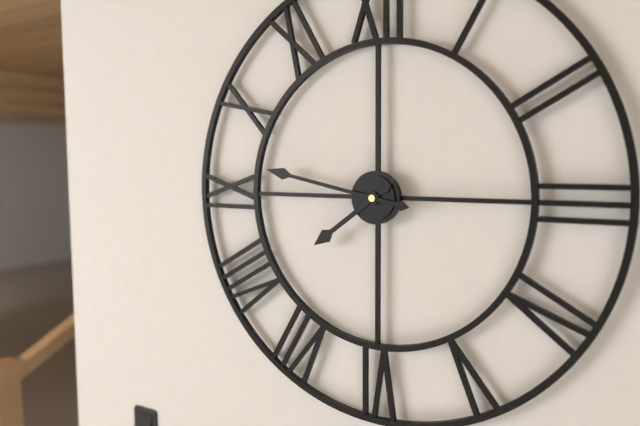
7,47
